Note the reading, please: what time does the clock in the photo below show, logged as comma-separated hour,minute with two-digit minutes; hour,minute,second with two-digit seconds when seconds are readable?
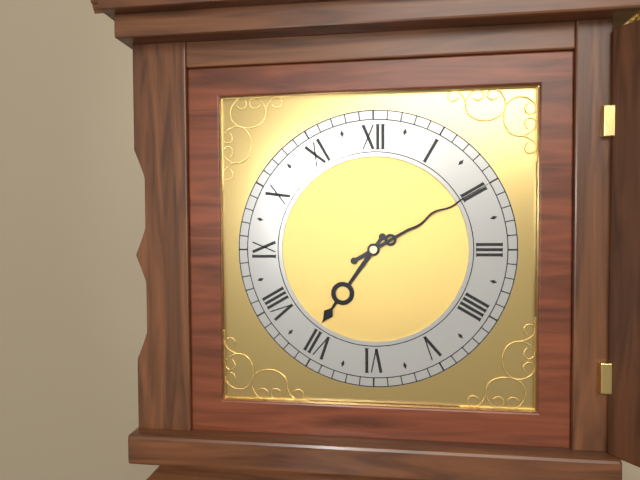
7,10
